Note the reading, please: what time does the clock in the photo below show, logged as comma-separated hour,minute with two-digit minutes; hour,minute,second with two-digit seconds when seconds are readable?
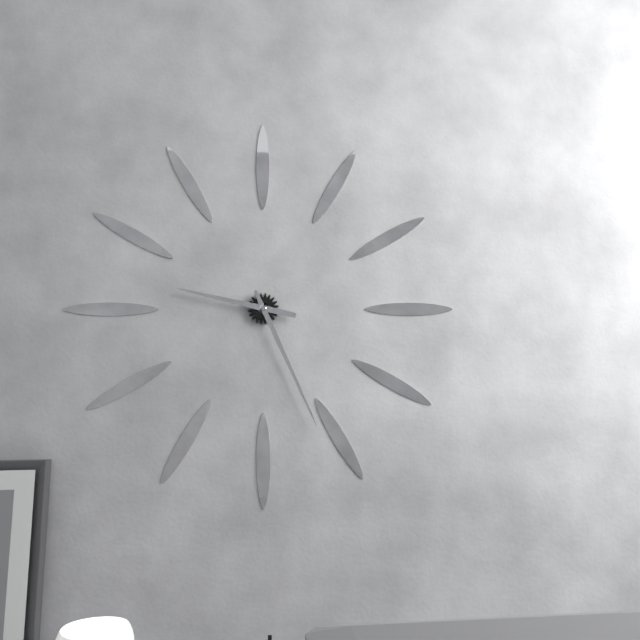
9,26
